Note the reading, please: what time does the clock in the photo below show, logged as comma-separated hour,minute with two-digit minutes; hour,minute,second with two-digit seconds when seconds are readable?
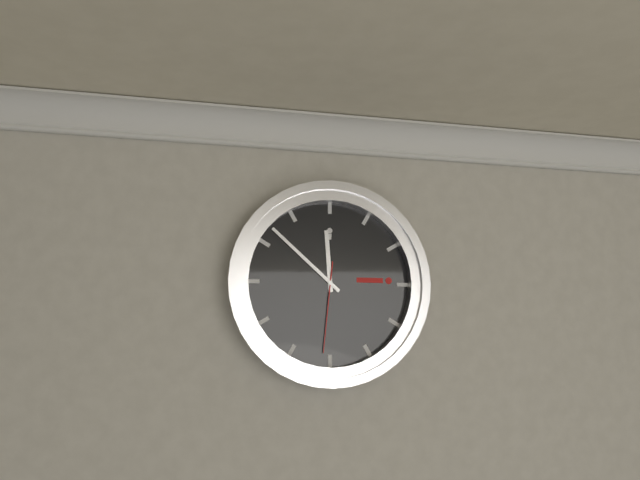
11,52,31
